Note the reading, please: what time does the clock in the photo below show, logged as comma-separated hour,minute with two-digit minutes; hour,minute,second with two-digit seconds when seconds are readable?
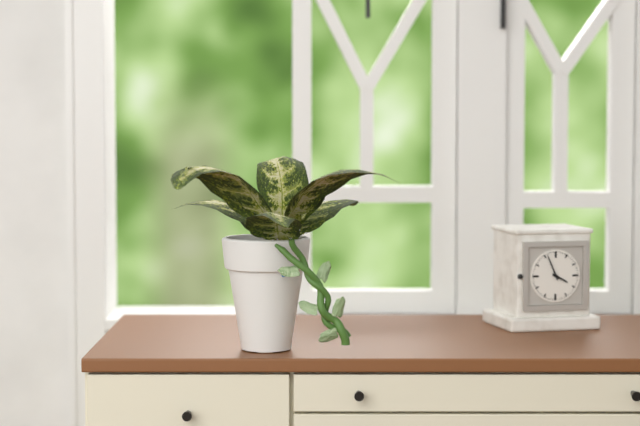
3,56
